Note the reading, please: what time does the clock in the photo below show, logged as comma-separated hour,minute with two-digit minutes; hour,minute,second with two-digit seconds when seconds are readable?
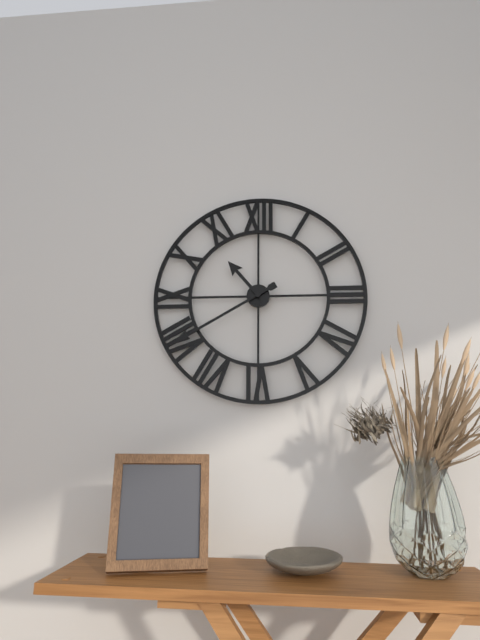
10,40
